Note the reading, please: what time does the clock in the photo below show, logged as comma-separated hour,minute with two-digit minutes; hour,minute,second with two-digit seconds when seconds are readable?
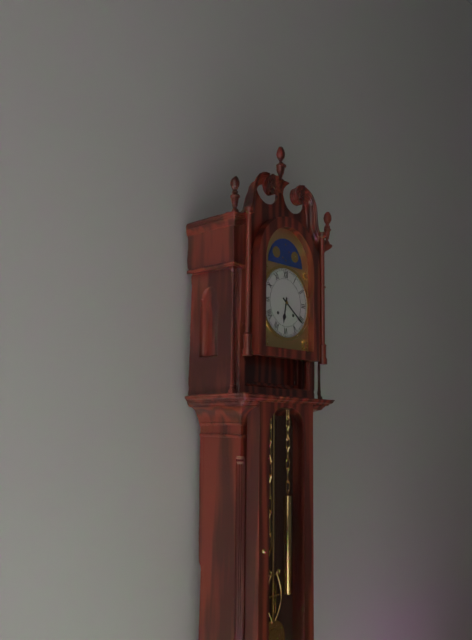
6,21
